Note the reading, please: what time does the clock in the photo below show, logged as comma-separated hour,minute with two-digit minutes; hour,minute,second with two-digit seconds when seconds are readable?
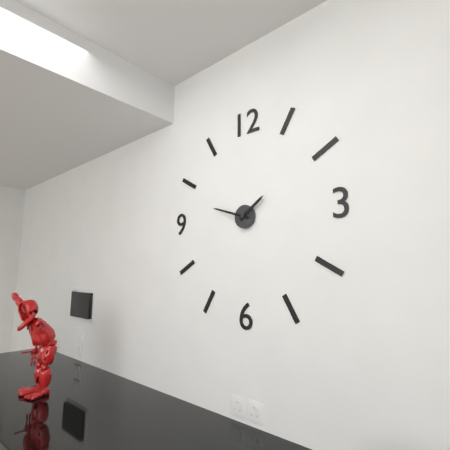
1,48
